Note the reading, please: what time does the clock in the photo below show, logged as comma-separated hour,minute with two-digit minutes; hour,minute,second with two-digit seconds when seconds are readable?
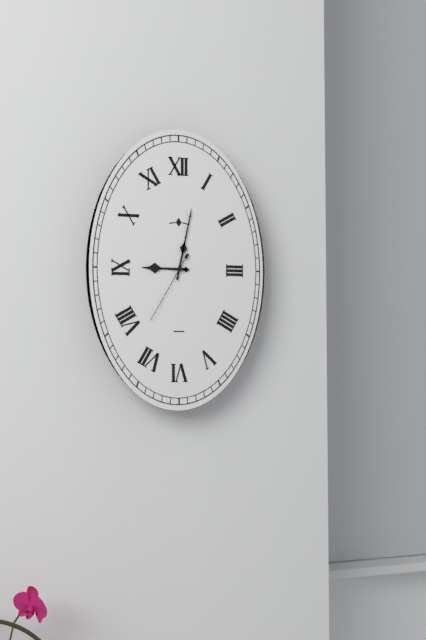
9,02,35
